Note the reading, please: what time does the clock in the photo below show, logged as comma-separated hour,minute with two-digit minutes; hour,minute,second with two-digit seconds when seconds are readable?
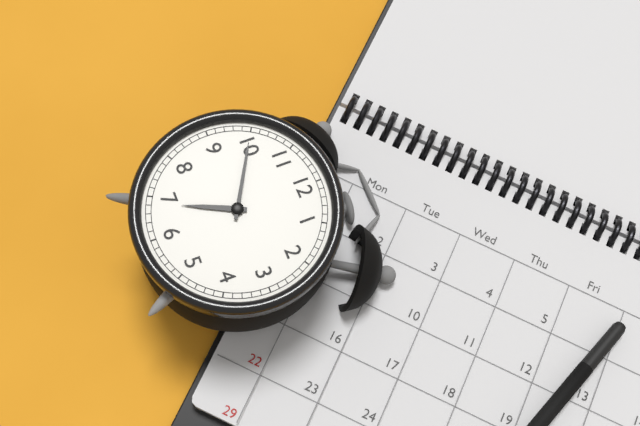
6,50
